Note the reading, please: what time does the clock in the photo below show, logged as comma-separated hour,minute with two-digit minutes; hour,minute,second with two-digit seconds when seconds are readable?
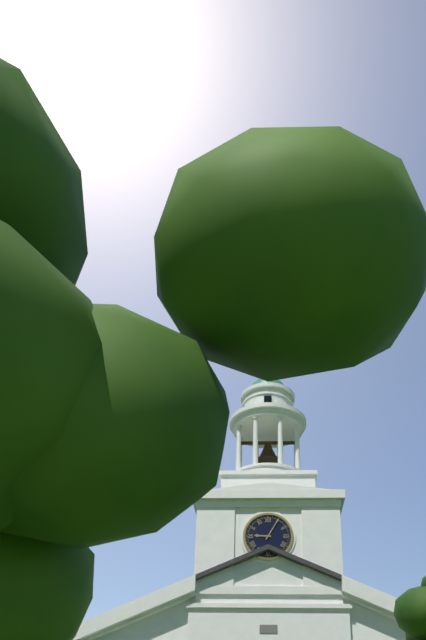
9,05
